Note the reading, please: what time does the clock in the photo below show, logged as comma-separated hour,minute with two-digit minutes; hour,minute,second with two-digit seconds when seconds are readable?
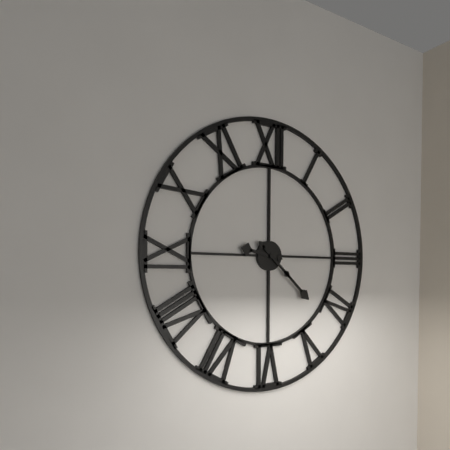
9,22
